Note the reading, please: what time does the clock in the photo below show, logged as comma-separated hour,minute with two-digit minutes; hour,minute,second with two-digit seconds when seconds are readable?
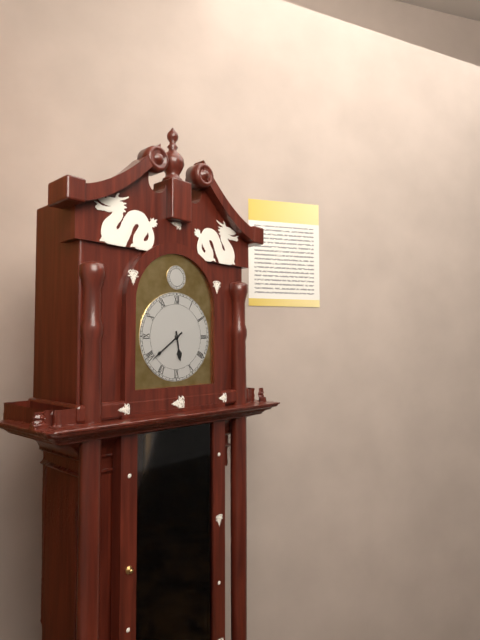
5,39
